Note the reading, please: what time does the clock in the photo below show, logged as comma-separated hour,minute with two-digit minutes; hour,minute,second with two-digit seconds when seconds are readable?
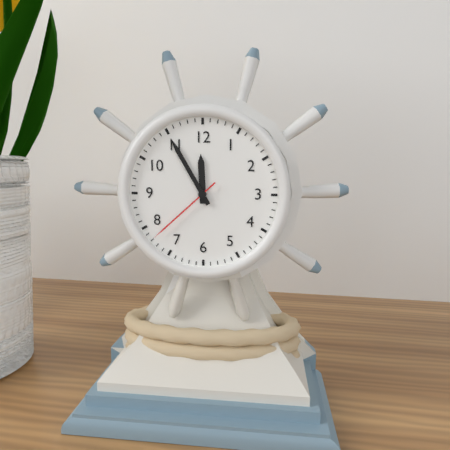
11,55,38
